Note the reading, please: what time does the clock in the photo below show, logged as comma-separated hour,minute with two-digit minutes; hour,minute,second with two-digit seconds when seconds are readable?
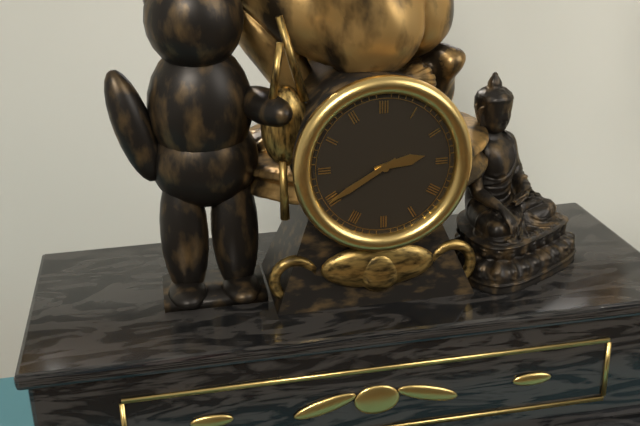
2,40
